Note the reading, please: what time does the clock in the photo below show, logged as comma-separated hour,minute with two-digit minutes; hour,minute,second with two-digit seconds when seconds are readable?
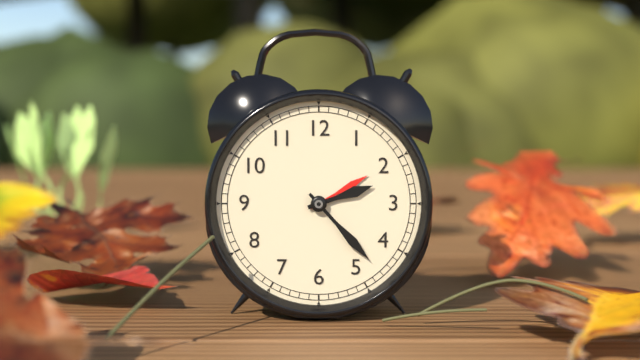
2,23
